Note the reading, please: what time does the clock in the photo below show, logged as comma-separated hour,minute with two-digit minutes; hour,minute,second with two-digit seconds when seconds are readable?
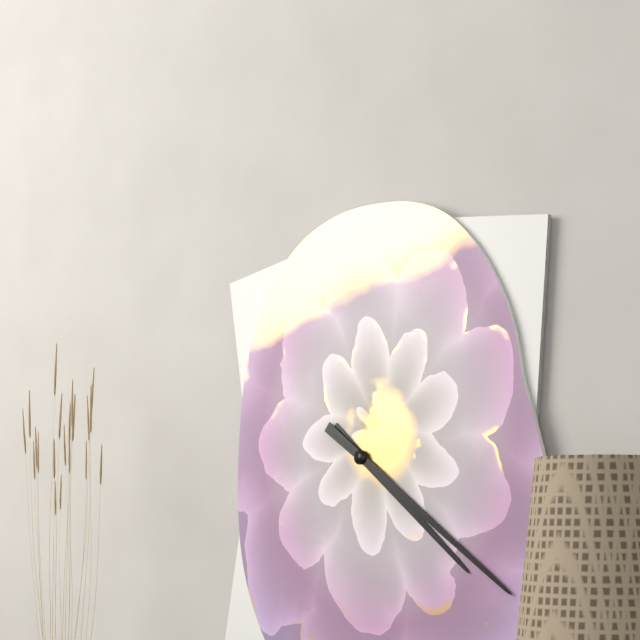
4,21
